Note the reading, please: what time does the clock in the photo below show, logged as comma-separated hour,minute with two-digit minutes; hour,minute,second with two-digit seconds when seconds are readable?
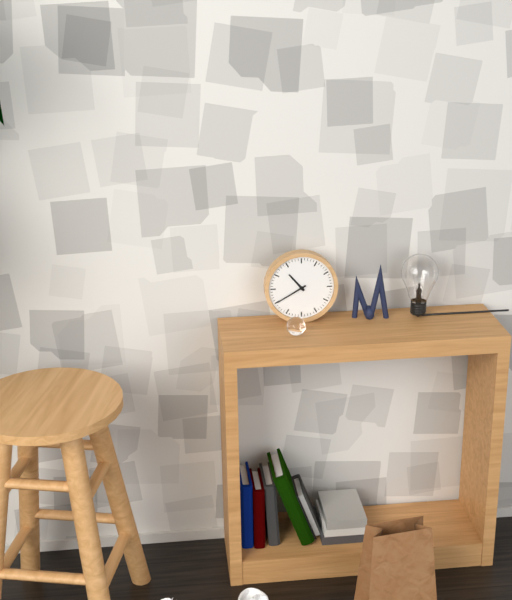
10,40
